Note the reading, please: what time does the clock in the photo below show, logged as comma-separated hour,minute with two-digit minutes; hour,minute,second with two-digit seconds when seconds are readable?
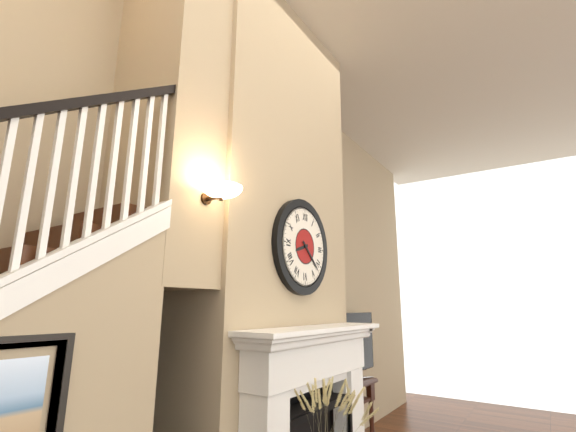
8,22
